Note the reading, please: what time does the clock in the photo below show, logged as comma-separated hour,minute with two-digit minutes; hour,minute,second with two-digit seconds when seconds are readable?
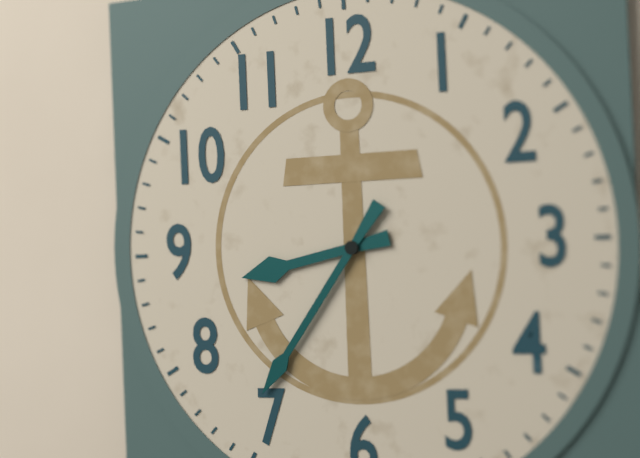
8,36
